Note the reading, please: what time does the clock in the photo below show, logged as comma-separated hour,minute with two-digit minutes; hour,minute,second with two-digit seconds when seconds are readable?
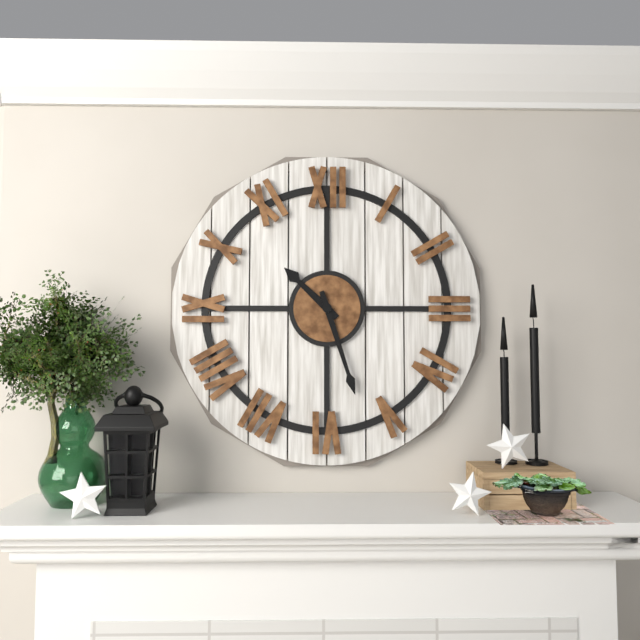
10,27
